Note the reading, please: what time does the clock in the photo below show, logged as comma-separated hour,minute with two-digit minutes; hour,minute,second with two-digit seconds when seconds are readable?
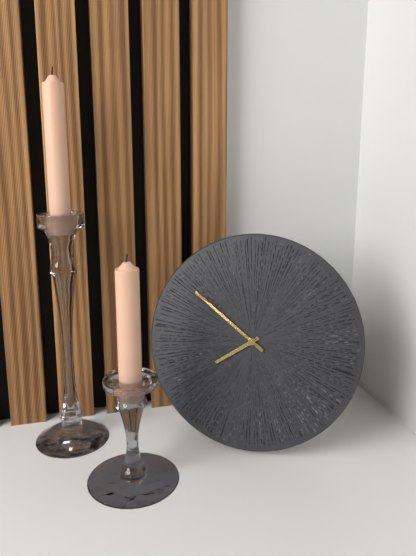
7,51
